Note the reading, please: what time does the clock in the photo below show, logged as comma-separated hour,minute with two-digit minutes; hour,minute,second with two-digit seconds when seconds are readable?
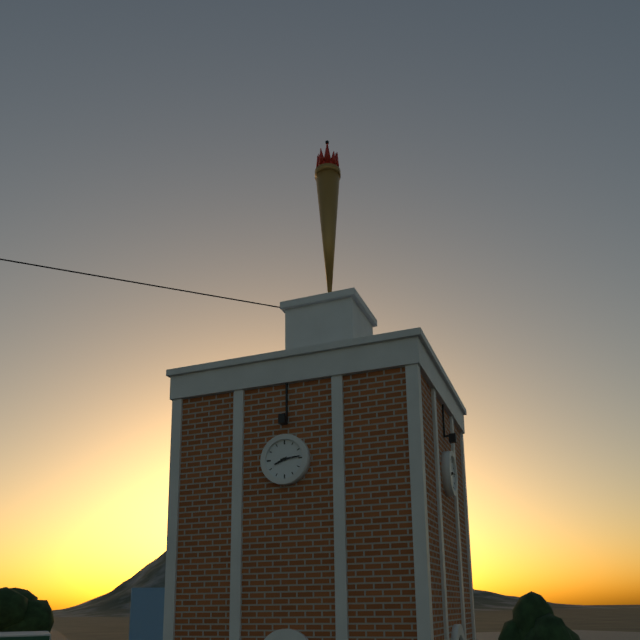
8,14
